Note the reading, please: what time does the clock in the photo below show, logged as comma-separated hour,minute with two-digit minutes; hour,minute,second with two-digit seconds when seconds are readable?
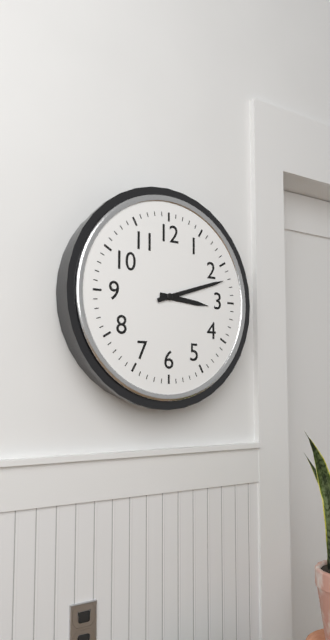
3,12
